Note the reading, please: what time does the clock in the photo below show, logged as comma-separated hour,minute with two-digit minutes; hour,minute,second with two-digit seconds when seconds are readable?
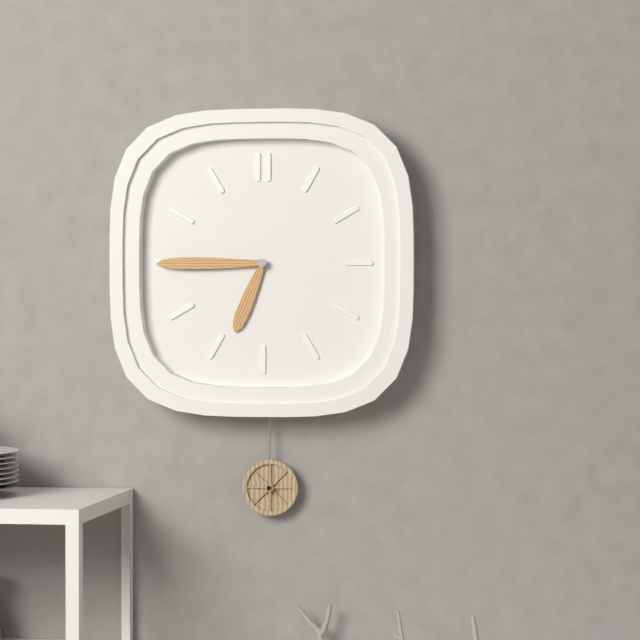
6,45
